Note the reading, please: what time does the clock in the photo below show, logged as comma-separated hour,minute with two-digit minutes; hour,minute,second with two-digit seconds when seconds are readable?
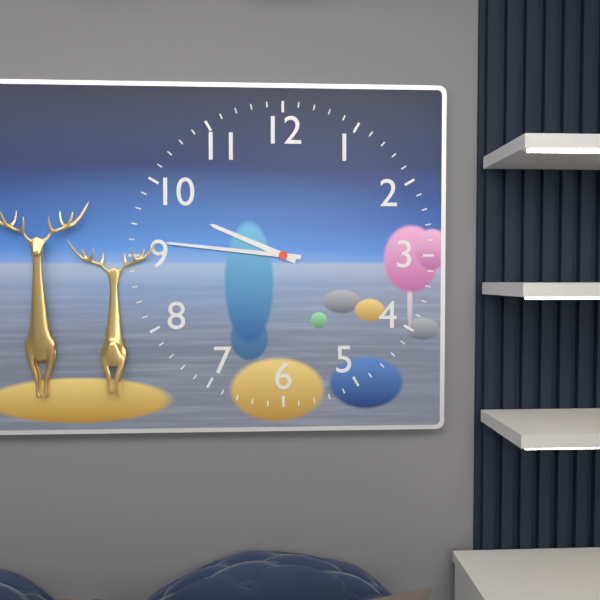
9,46
